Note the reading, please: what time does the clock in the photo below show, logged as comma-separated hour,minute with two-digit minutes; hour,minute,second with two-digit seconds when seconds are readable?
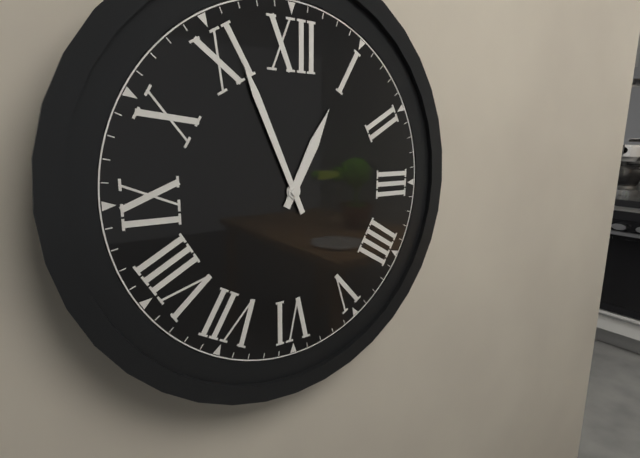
12,56
